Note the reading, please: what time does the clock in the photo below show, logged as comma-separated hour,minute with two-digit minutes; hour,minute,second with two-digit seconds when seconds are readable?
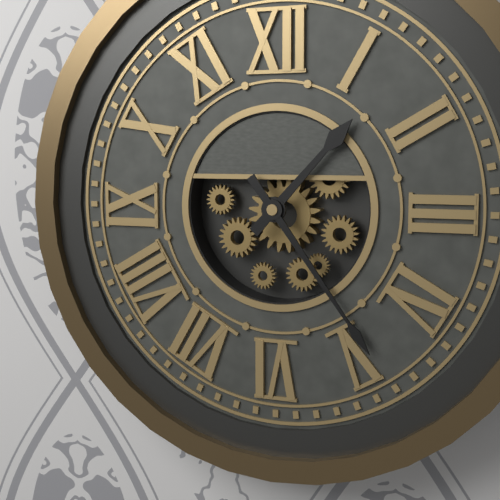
1,24
